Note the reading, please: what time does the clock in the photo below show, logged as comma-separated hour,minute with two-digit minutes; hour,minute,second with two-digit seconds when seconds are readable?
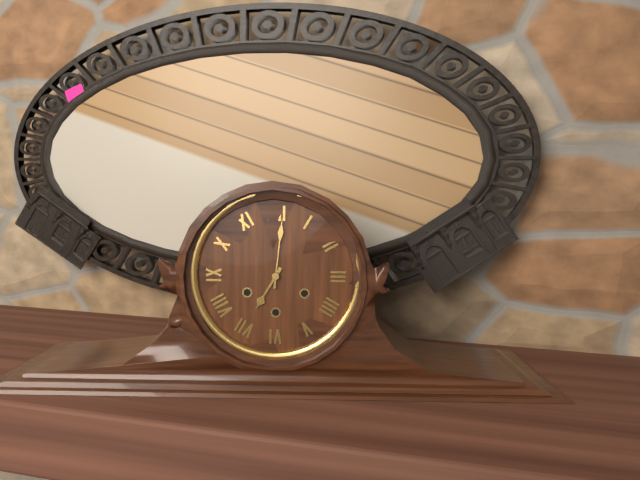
7,01
